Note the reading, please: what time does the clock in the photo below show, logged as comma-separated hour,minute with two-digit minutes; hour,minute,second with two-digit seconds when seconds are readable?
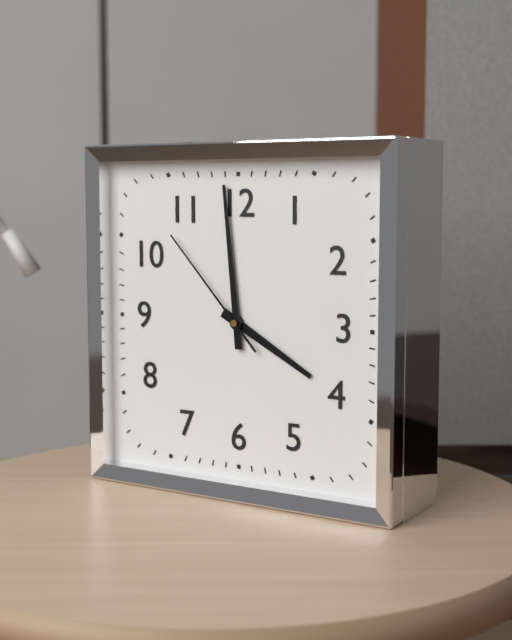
3,59,53
